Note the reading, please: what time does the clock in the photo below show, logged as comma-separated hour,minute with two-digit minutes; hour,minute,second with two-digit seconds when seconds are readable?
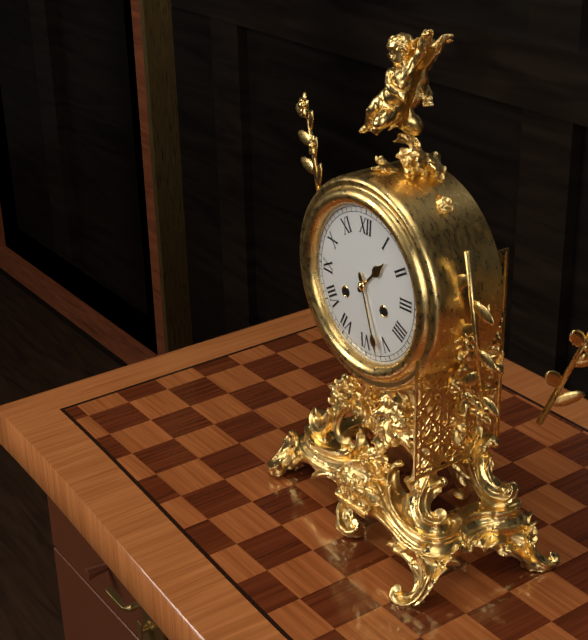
1,27
